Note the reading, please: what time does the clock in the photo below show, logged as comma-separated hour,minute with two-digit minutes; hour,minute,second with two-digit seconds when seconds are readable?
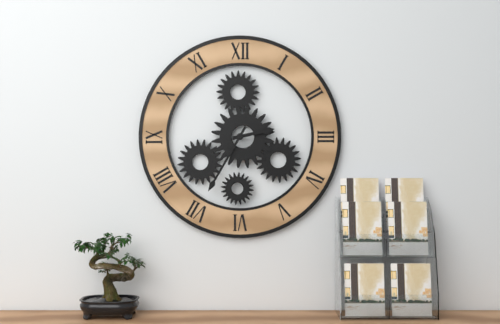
2,35
